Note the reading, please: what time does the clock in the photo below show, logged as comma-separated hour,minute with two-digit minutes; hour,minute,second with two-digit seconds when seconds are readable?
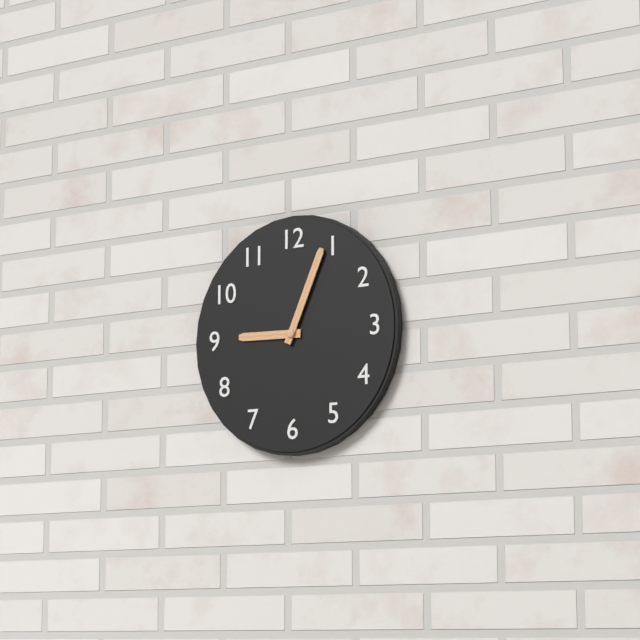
9,04
